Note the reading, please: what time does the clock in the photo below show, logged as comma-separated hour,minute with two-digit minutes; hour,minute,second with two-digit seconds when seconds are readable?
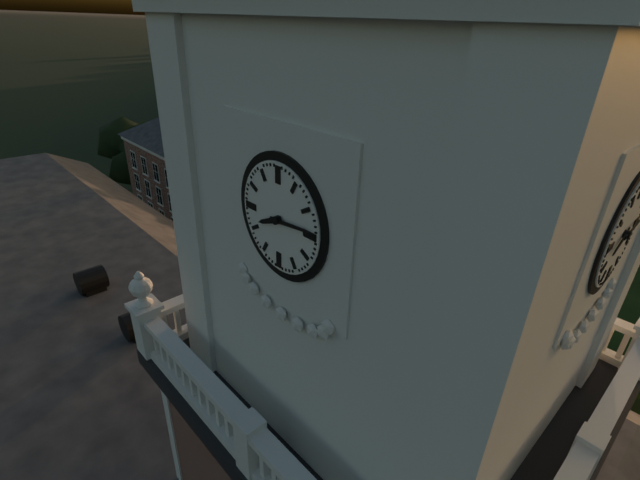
8,14
